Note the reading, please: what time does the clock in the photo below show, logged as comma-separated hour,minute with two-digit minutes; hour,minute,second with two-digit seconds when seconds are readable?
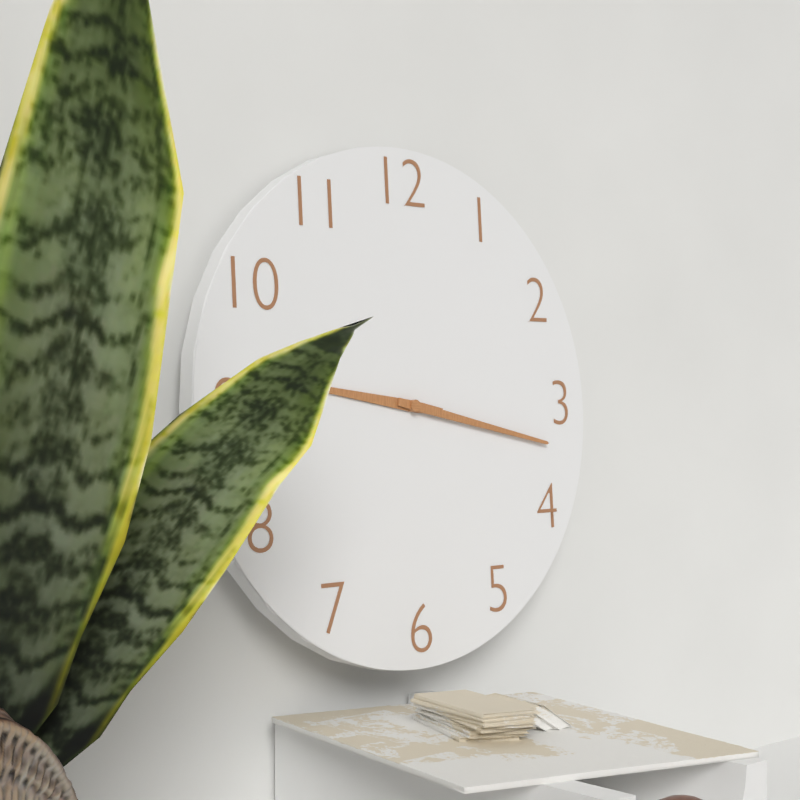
9,17
